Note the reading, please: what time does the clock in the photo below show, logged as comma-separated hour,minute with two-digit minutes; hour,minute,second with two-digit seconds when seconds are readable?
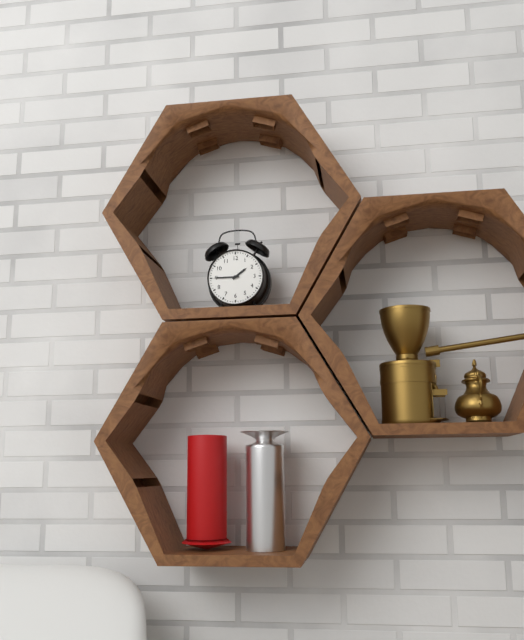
1,45
